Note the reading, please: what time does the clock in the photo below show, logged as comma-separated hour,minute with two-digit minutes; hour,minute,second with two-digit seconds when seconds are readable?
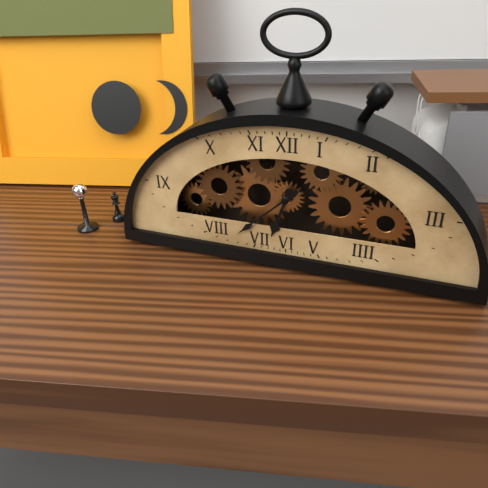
6,38
